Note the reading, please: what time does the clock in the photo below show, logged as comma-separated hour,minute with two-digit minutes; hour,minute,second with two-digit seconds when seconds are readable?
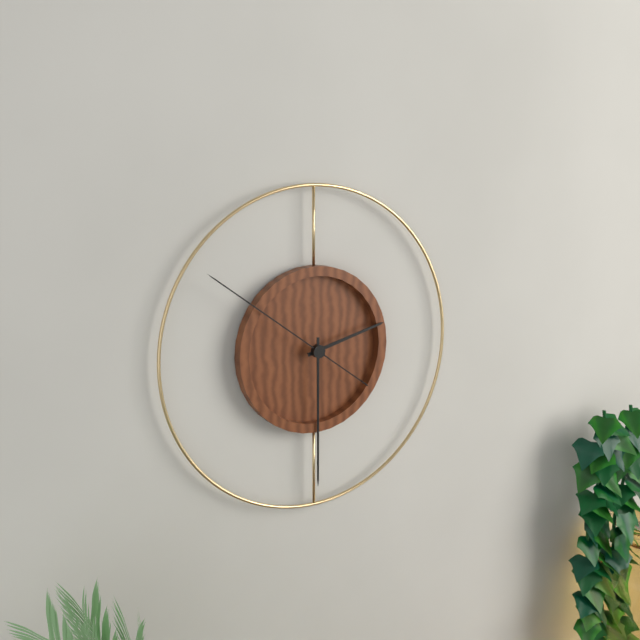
2,30,51
